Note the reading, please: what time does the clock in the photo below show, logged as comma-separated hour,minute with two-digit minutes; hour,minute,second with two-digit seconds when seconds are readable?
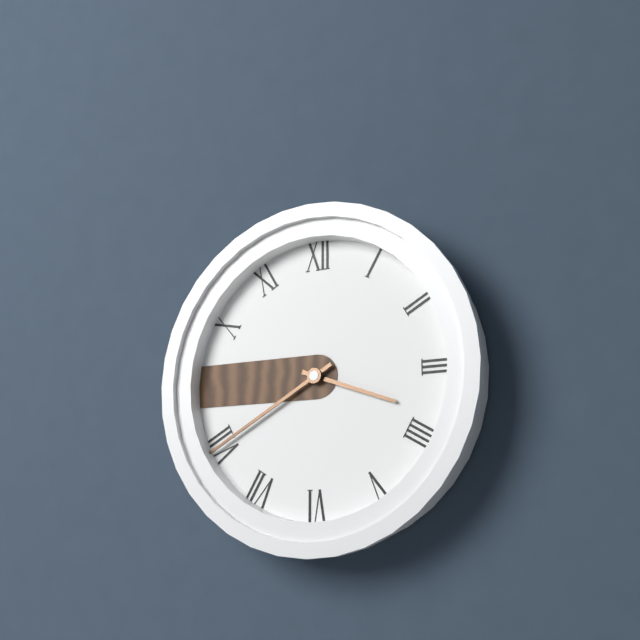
3,40
